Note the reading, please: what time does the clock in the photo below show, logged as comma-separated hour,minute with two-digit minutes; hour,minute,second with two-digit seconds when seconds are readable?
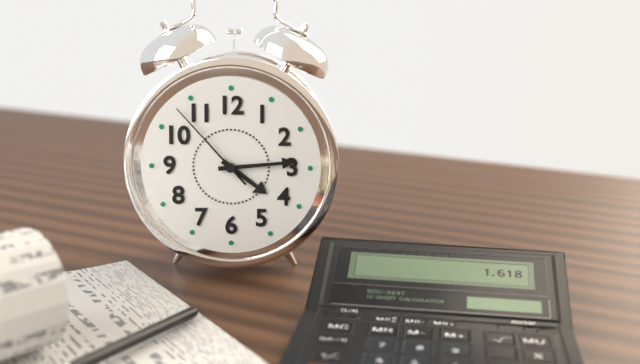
4,14,53
